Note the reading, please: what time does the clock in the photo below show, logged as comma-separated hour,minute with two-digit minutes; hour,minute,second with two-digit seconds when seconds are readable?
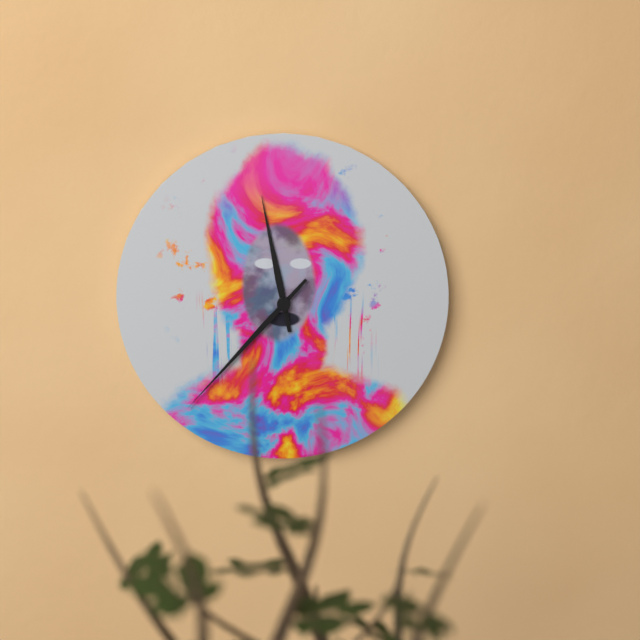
11,37
